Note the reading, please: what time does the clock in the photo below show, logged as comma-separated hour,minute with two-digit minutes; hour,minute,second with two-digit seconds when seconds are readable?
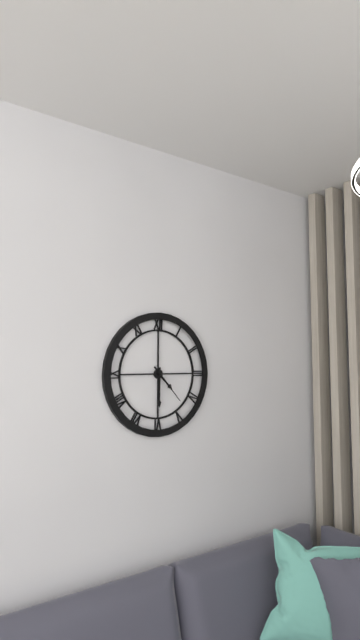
4,30
